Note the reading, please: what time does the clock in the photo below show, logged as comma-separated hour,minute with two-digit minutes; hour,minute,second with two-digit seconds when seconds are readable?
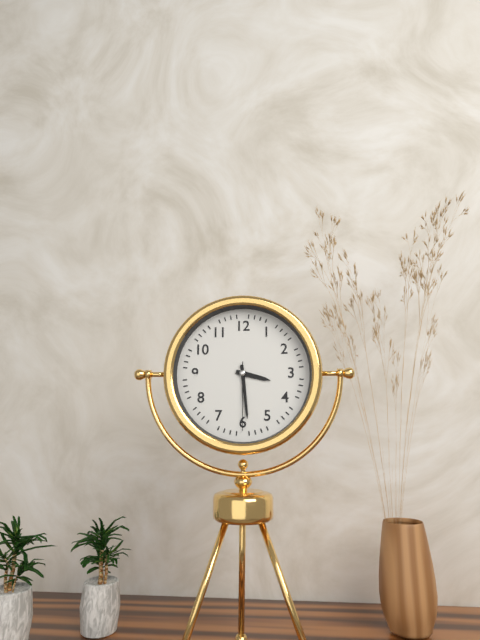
3,29,30
